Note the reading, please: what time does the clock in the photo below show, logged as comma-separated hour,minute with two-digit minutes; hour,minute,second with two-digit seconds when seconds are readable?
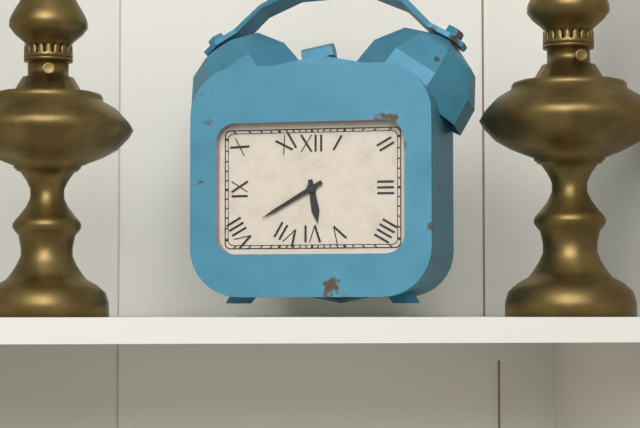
5,40
